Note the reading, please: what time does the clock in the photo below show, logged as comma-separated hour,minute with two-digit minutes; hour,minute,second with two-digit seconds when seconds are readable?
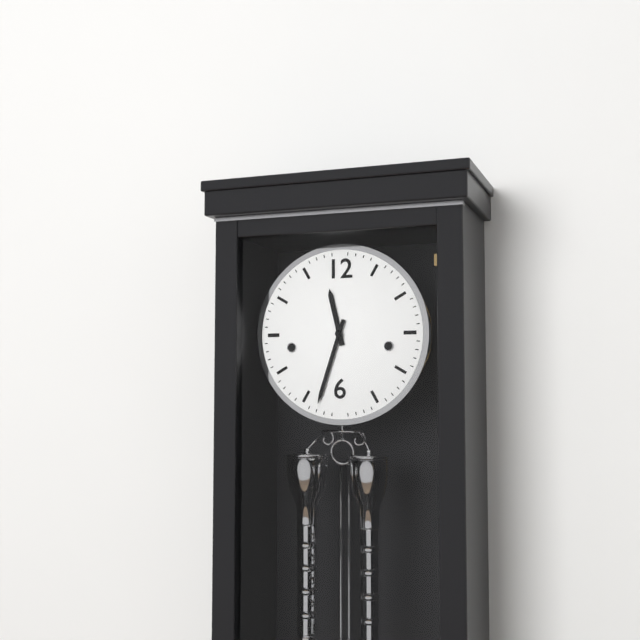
11,33
